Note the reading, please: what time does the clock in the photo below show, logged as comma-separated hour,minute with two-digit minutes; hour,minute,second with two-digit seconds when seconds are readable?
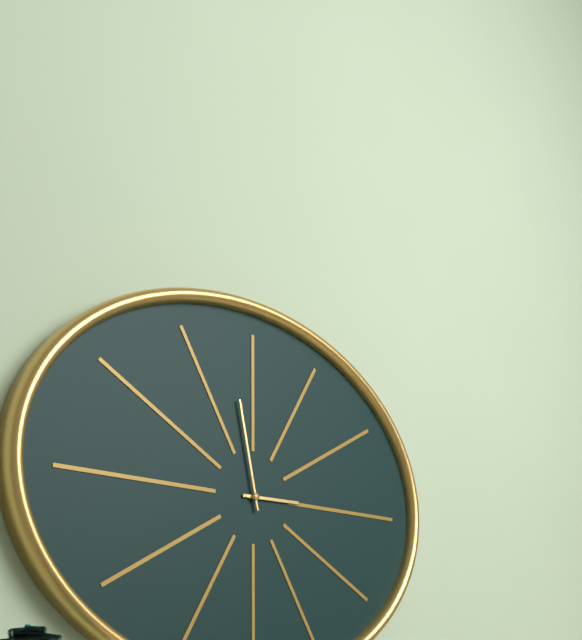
2,58
